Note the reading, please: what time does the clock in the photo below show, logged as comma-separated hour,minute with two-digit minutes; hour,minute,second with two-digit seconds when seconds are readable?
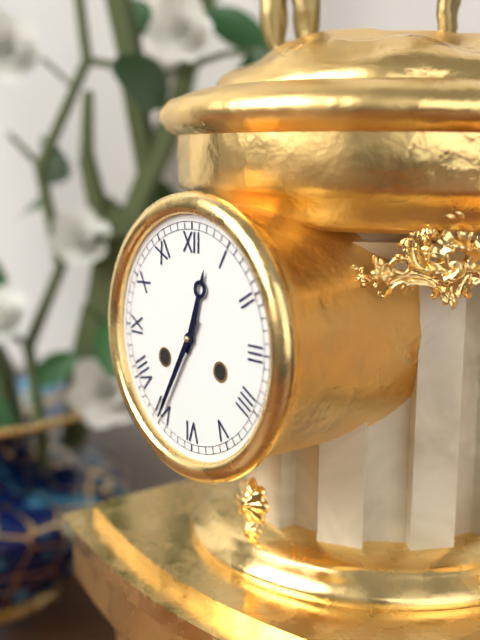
12,35
